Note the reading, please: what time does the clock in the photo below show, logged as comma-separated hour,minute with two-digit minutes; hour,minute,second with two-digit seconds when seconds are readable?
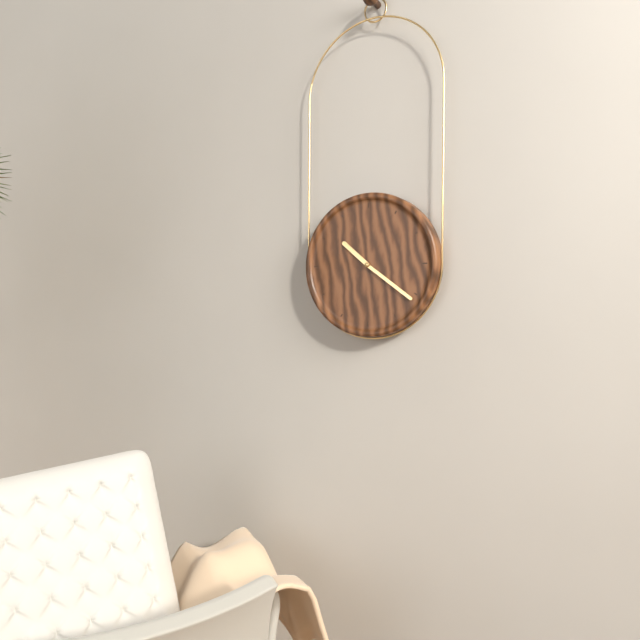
10,21
